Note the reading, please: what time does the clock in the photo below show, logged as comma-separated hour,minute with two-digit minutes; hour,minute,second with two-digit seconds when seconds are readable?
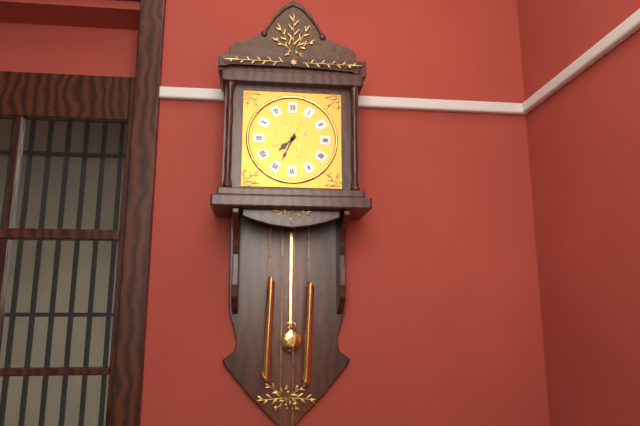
7,34
